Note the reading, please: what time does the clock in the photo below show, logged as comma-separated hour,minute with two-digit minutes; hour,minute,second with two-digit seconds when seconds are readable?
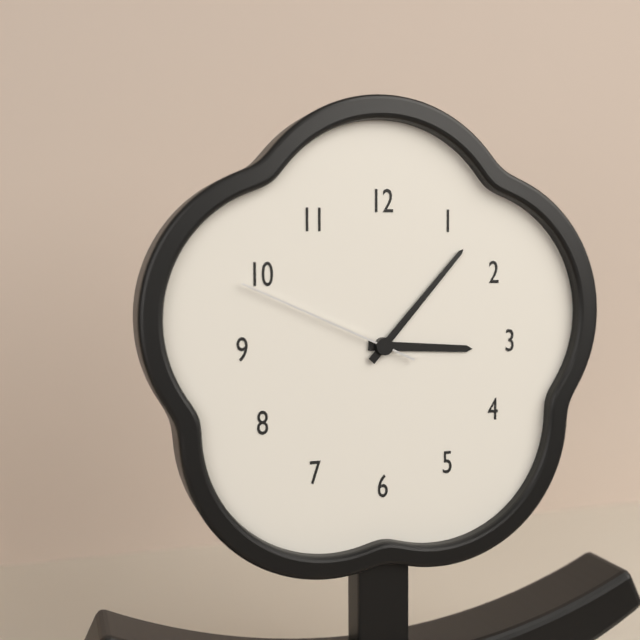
3,07,49
